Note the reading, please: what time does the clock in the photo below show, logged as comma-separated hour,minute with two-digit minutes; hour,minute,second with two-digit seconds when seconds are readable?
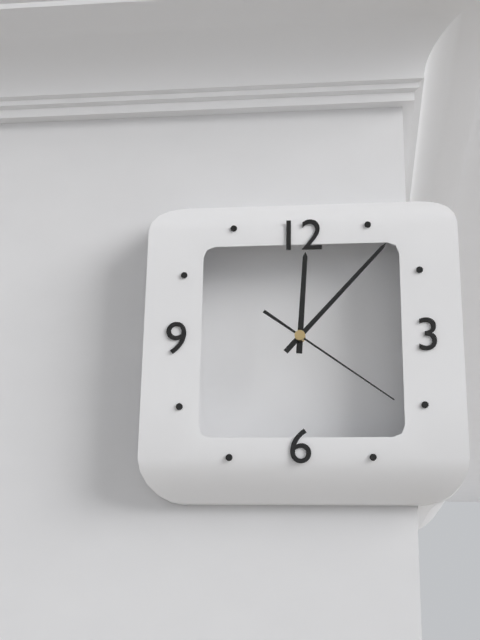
12,07,21
